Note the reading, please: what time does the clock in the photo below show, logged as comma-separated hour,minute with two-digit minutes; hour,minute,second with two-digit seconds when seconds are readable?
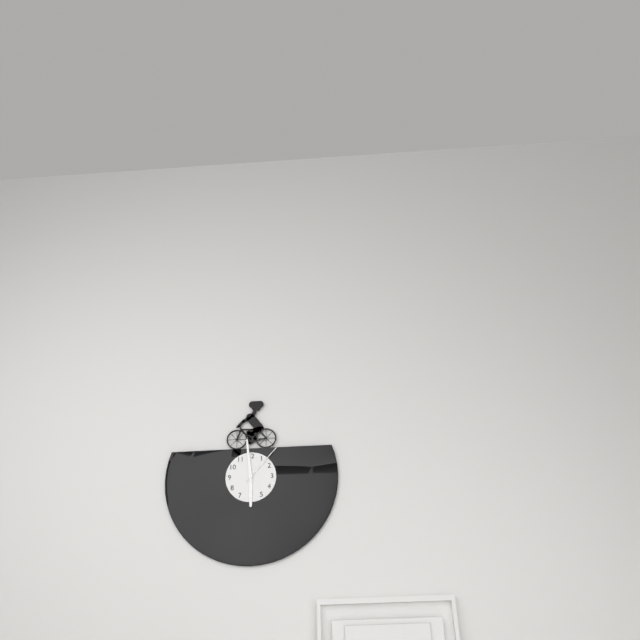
5,59
